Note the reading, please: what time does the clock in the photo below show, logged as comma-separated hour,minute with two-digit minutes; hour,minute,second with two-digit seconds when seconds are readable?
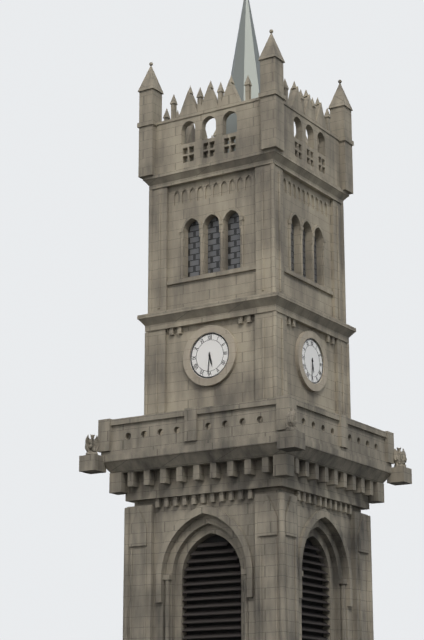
5,31
